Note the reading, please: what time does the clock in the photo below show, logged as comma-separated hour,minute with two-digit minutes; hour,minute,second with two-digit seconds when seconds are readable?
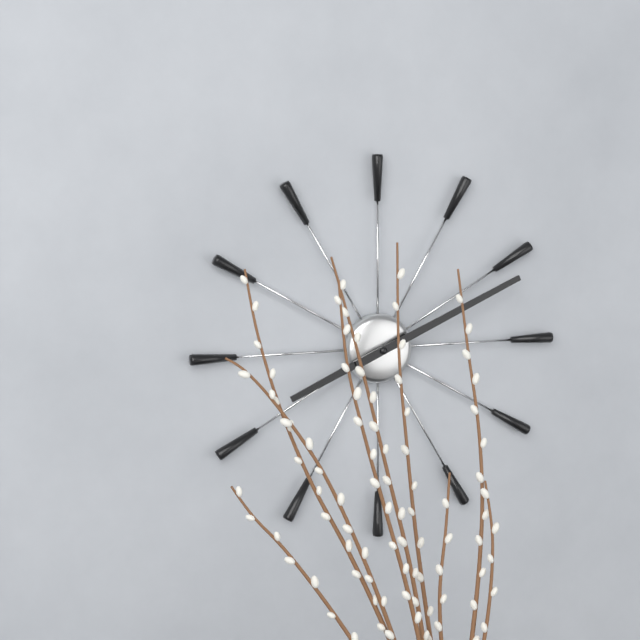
8,11
